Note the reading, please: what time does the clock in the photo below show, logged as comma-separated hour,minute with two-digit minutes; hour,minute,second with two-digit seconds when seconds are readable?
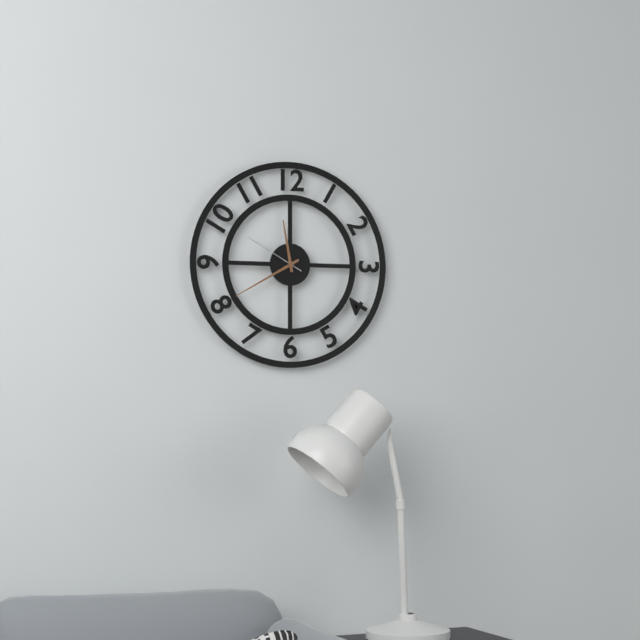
11,40,50
